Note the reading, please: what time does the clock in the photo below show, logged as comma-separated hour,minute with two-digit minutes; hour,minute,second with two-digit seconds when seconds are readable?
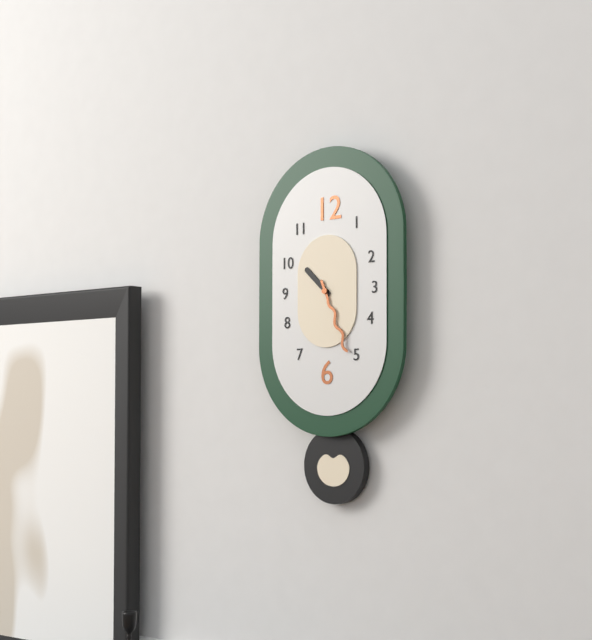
10,26
